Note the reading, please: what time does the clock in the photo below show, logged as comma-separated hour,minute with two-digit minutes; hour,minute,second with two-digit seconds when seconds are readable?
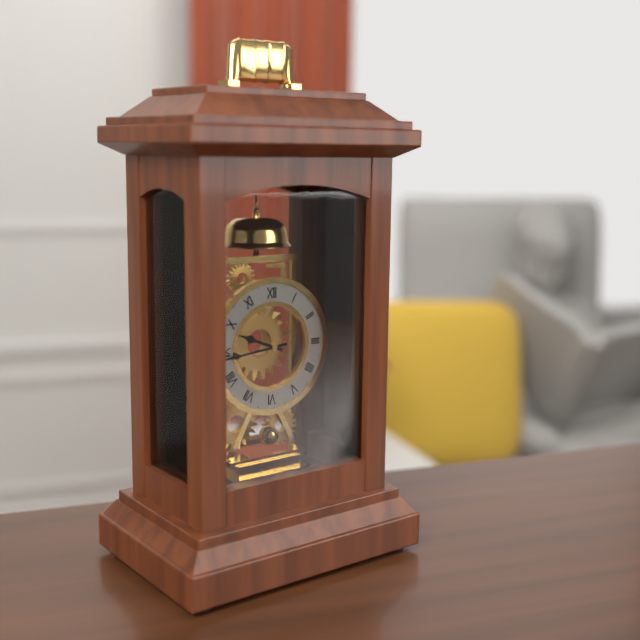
9,44
